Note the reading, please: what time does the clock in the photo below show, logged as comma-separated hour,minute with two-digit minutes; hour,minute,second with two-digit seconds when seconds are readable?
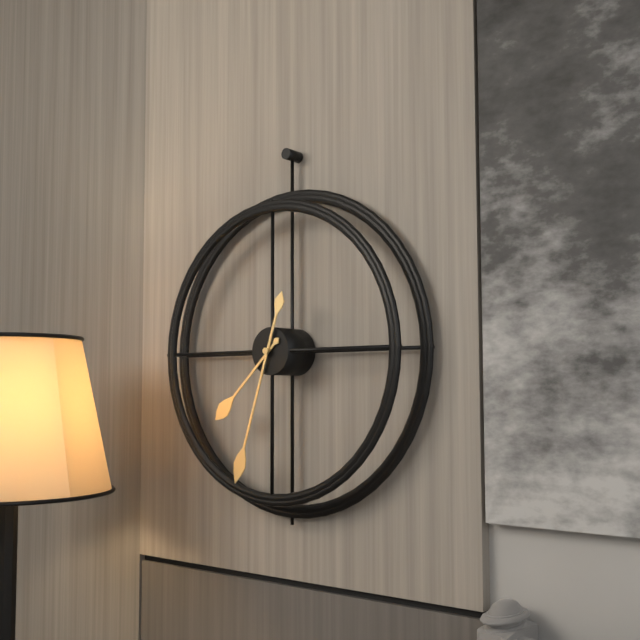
7,33
